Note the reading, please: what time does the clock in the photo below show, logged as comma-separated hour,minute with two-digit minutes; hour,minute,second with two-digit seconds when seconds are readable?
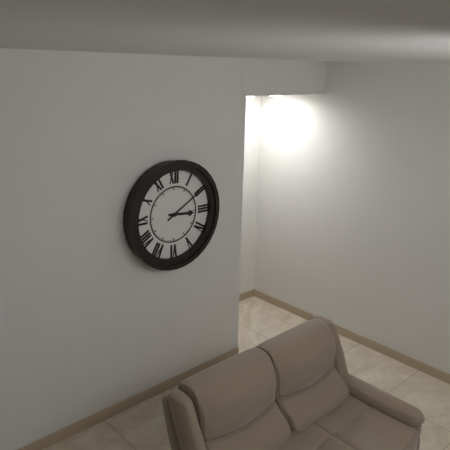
3,10
